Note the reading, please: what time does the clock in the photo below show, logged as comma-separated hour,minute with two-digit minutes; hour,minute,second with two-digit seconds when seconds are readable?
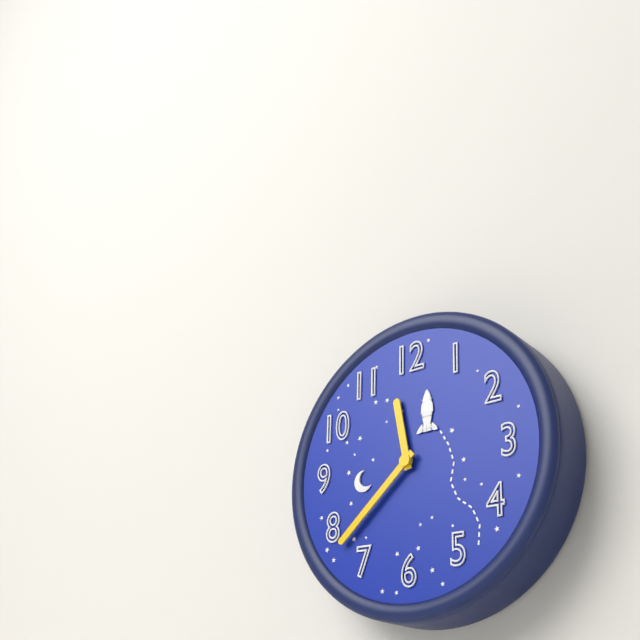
11,38
